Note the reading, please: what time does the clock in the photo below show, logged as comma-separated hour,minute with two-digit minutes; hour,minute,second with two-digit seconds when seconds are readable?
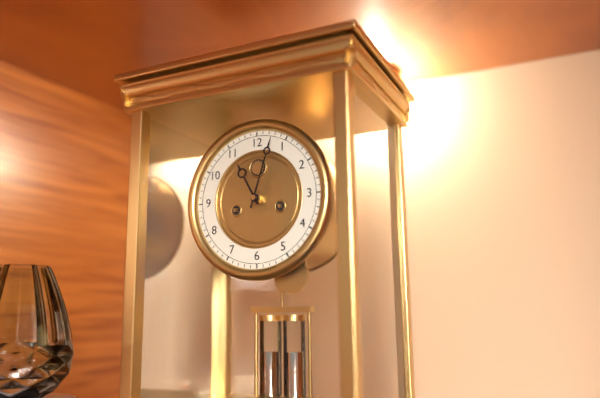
11,03
